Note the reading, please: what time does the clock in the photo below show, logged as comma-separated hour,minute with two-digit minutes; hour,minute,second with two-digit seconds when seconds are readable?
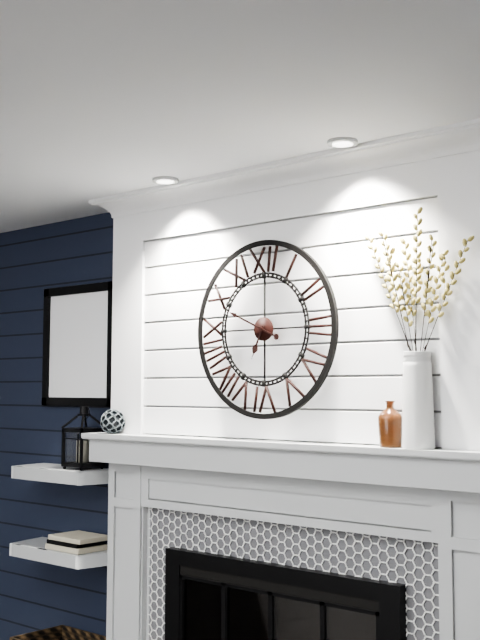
6,49
